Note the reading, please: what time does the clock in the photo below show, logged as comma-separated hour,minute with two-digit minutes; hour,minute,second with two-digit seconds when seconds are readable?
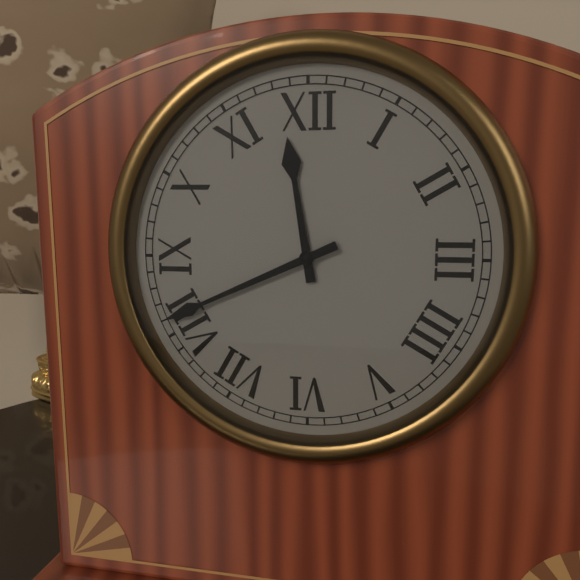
11,41
